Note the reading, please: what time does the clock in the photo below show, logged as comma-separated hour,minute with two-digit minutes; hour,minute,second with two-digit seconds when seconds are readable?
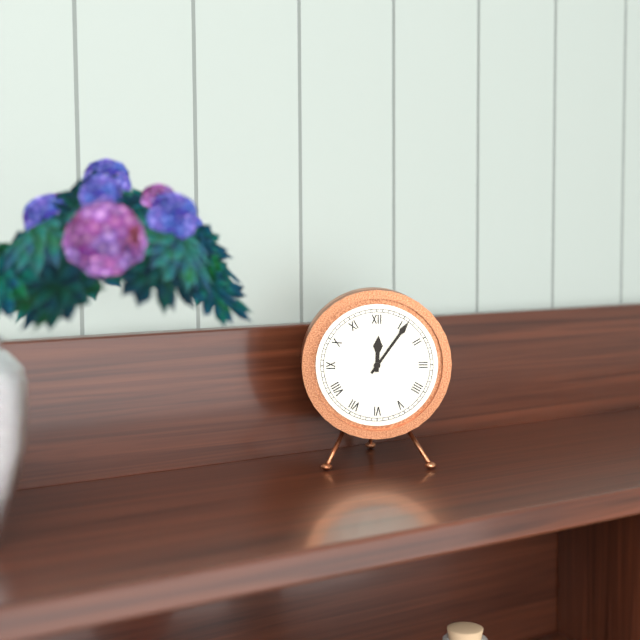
12,06
